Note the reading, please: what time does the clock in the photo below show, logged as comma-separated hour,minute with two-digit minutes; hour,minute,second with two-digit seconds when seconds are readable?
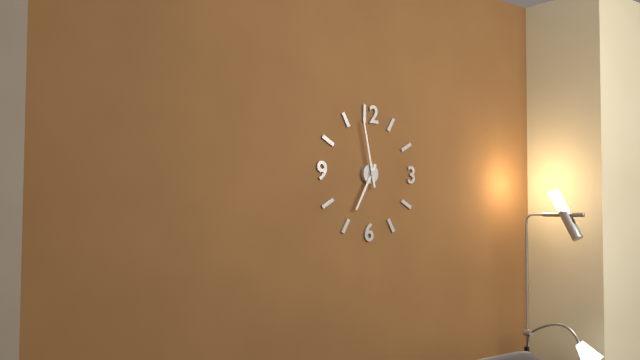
6,58
